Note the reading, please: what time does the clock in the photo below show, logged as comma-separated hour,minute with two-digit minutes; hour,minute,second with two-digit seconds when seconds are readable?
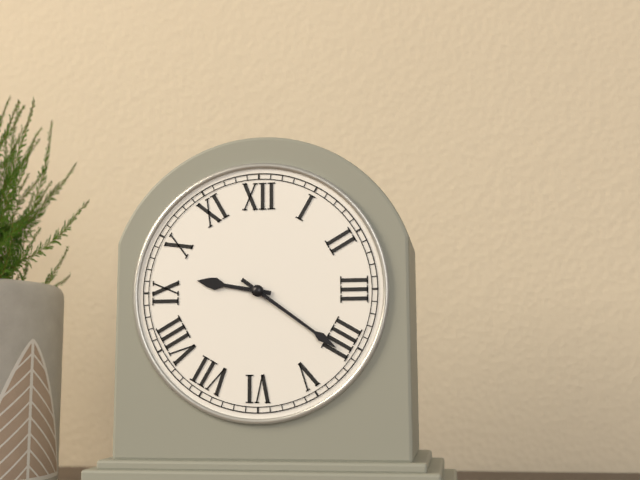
9,21
